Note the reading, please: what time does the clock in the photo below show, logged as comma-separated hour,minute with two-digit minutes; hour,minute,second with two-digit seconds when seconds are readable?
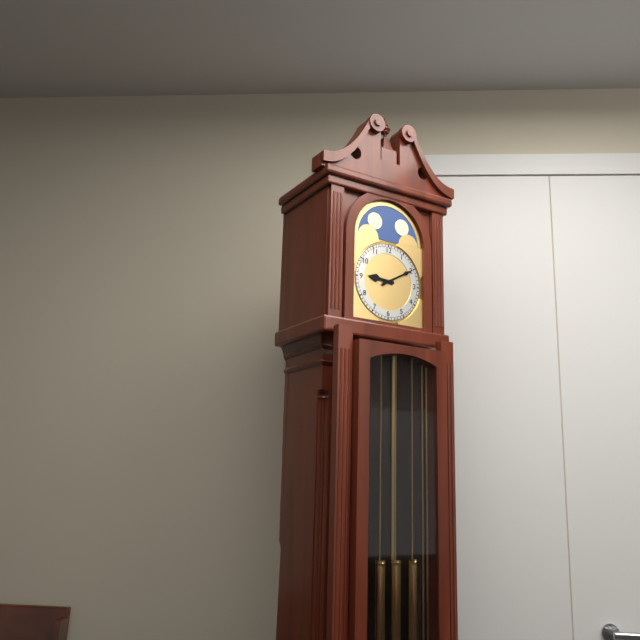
9,10
